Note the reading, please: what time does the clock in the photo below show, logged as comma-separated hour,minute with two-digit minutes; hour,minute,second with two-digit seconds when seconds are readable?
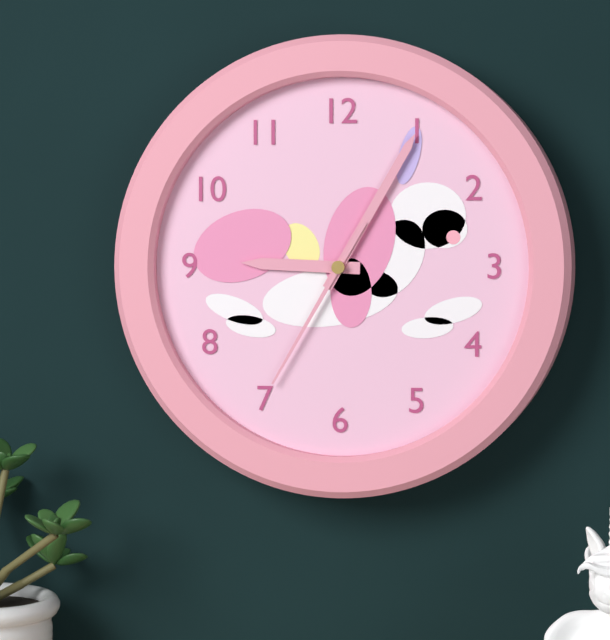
9,05,35
